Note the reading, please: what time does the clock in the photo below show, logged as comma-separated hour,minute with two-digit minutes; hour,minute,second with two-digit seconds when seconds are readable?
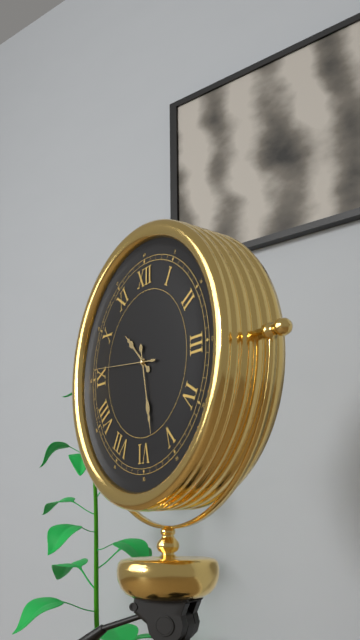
10,28,46
